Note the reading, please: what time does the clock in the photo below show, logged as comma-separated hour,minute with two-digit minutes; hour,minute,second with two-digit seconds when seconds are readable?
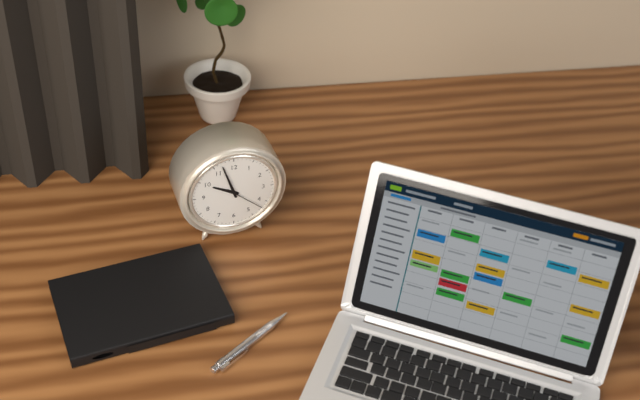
9,57
